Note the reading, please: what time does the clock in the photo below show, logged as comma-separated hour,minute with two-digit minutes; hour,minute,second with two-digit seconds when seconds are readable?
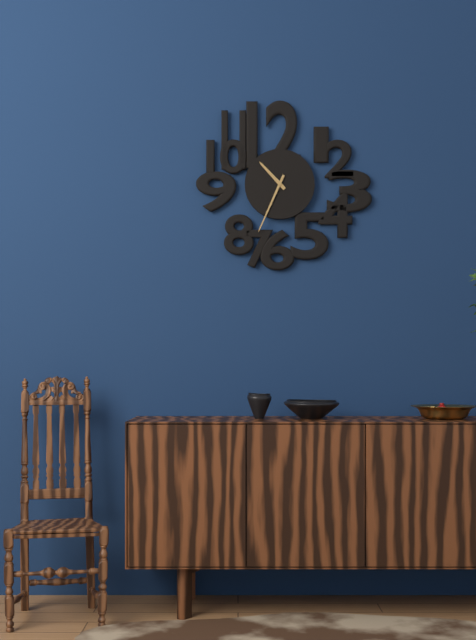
10,34
